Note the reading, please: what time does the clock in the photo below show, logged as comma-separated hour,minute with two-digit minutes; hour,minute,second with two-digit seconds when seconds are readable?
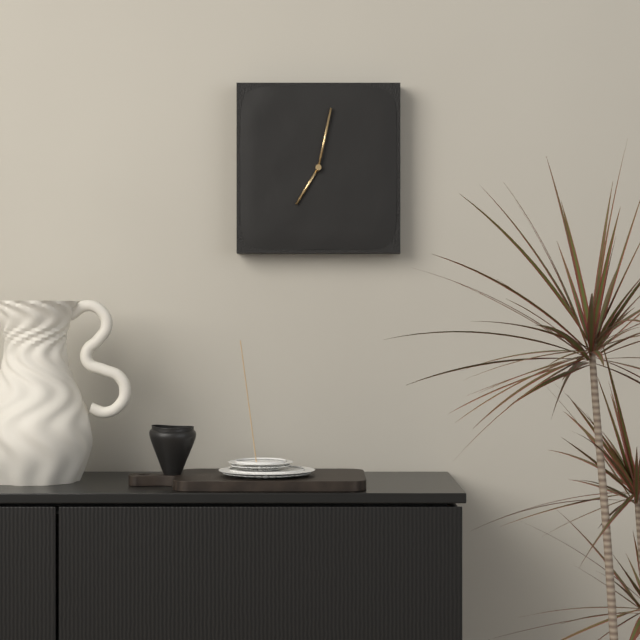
7,02
